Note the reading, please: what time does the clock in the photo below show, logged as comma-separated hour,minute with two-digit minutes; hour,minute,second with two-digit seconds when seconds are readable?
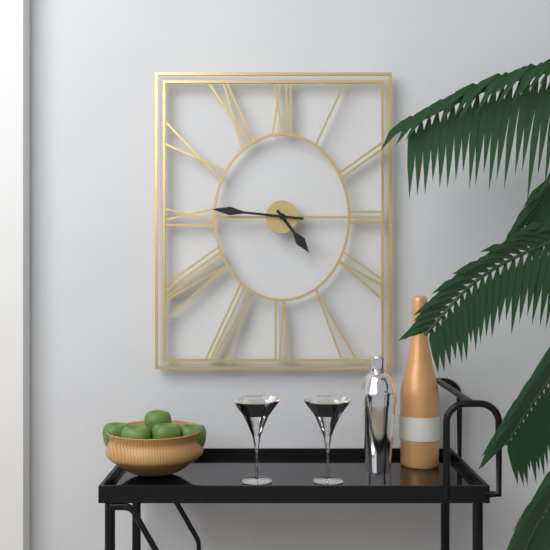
4,46
